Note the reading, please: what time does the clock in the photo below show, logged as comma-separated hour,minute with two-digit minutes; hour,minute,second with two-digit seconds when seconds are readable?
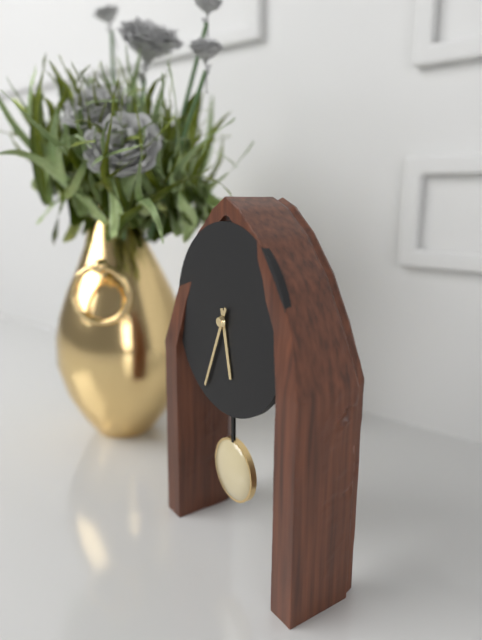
5,34
